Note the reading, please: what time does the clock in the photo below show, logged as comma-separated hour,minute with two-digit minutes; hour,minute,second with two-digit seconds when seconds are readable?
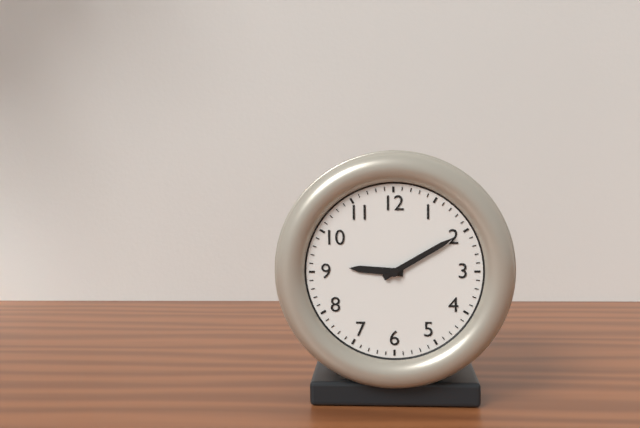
9,10
